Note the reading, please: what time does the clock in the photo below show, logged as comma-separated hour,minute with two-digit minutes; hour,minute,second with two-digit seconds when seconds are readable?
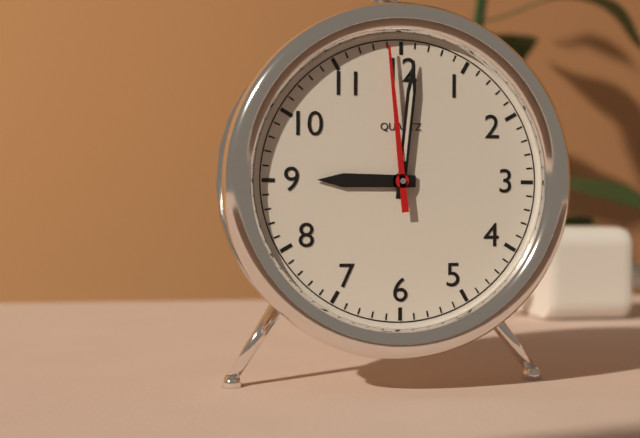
9,01,59
